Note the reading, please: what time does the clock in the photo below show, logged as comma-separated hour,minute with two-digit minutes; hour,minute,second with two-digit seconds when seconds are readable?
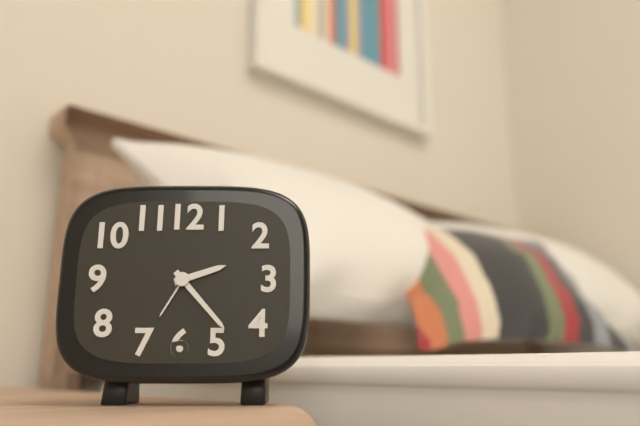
2,23
